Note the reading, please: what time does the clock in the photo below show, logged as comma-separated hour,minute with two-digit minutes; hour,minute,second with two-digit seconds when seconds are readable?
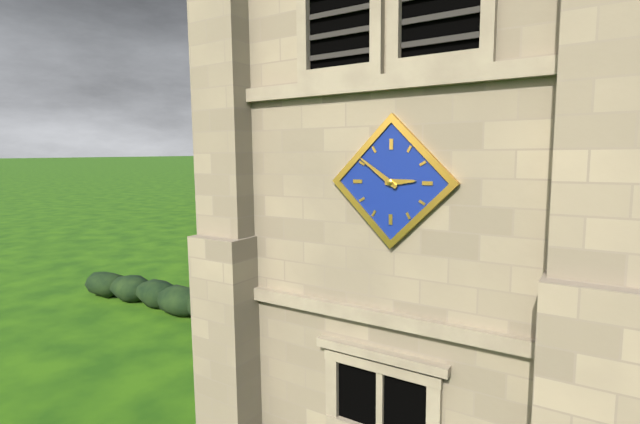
2,51
